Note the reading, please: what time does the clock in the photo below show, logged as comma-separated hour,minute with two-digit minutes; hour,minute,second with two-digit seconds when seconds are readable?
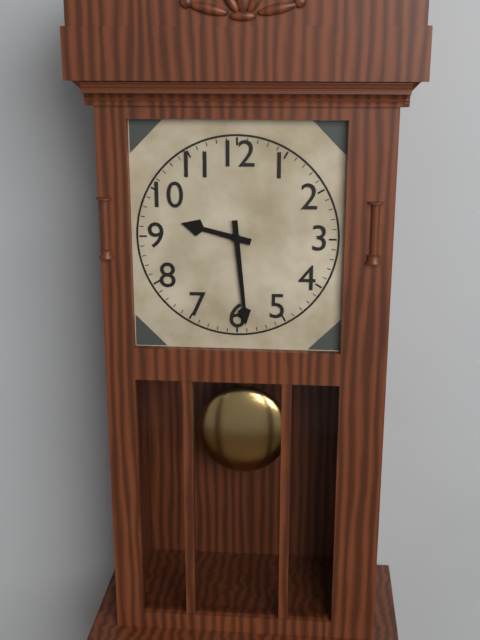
9,29
